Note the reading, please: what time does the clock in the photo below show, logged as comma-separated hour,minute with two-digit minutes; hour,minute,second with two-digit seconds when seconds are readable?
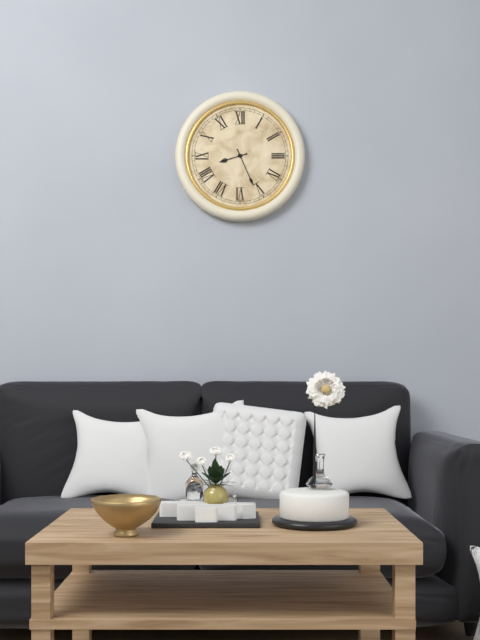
8,26
